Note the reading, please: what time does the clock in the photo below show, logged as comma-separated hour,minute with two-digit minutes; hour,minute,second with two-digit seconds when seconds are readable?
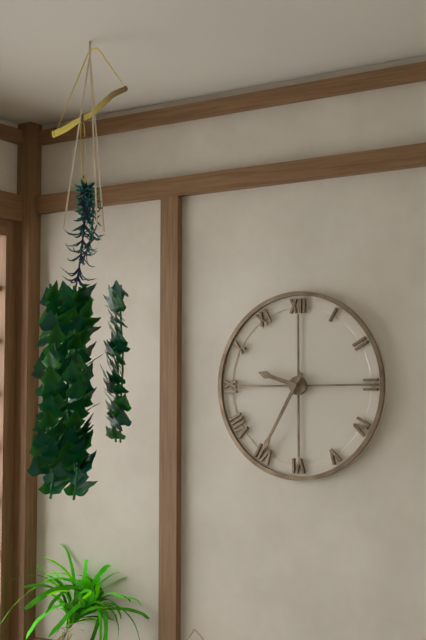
9,35
